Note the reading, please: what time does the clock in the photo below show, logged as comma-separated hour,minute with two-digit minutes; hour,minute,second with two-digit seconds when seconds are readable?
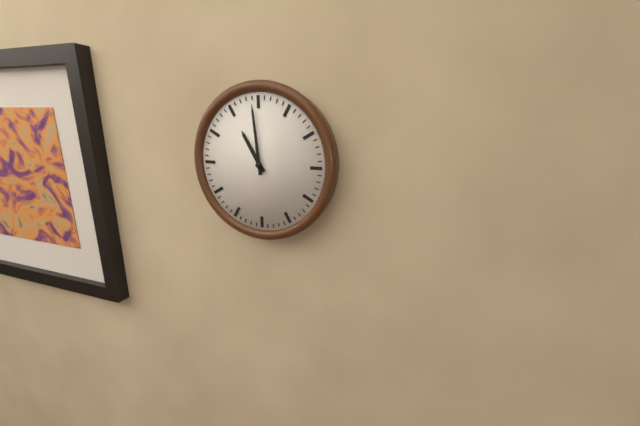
10,59
